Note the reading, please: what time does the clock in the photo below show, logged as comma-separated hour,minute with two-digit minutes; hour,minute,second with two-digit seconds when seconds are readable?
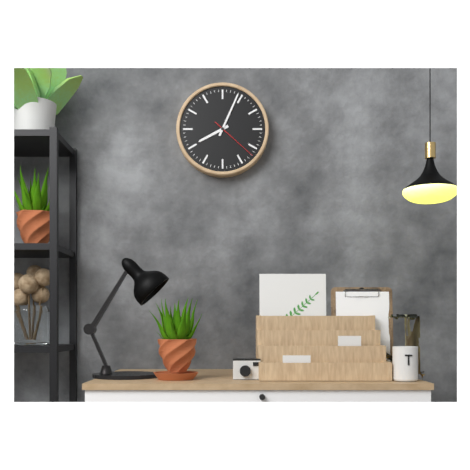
8,04
